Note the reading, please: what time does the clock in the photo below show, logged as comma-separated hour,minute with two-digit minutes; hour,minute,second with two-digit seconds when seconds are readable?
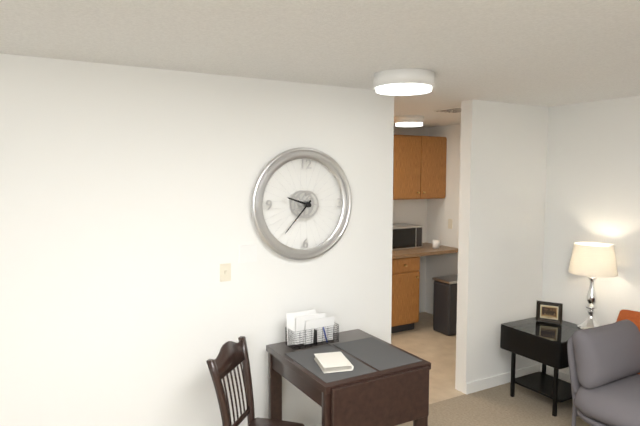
9,37
